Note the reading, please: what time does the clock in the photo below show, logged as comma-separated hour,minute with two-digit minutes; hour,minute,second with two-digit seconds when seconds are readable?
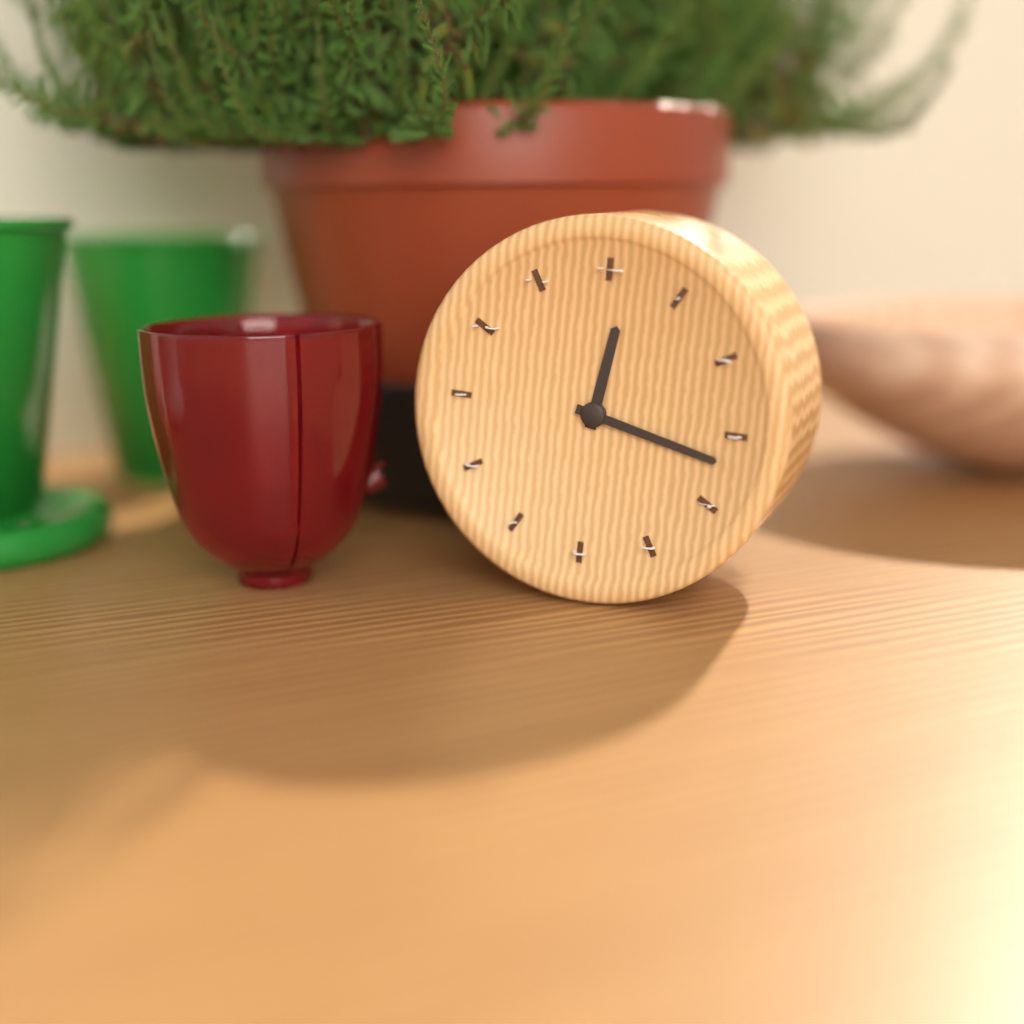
12,17
